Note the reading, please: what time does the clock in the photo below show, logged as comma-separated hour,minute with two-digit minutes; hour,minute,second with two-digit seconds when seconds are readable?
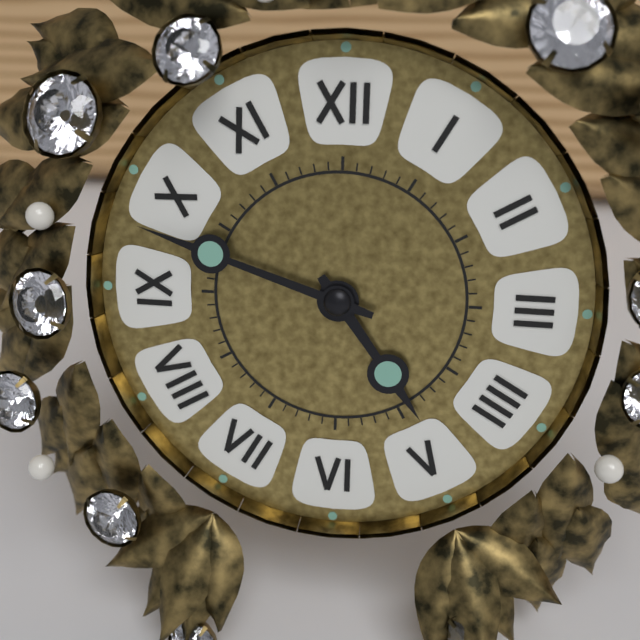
4,48
